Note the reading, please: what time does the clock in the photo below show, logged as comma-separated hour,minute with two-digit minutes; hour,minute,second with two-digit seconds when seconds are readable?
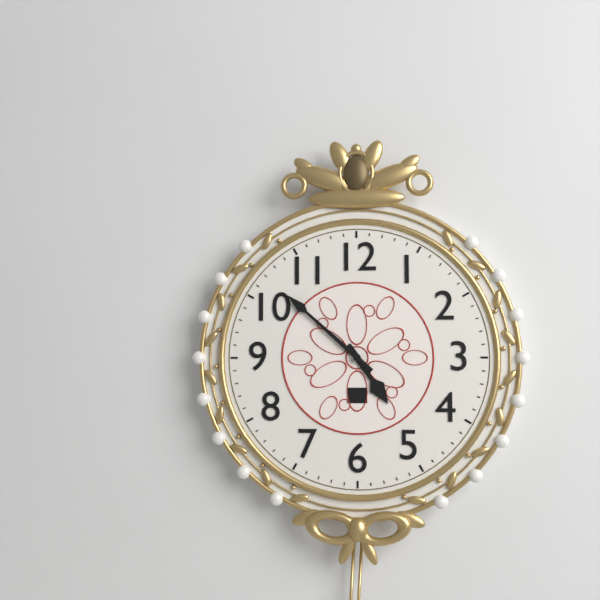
4,52
